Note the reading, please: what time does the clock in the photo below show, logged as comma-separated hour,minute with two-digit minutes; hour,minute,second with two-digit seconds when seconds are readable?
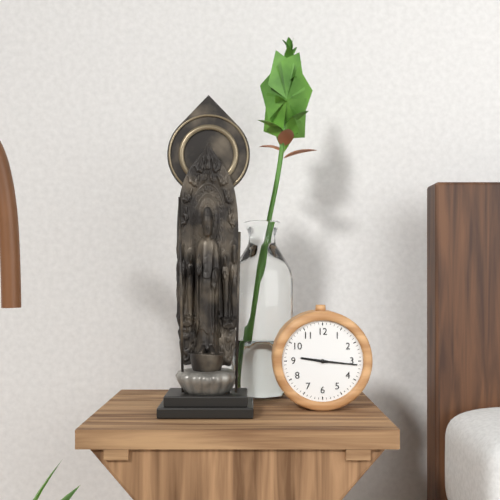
9,16
